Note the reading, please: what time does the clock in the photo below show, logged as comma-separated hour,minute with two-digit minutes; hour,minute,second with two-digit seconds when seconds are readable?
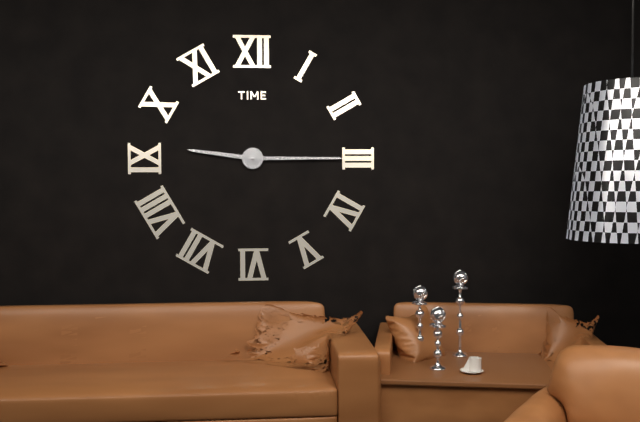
9,15
